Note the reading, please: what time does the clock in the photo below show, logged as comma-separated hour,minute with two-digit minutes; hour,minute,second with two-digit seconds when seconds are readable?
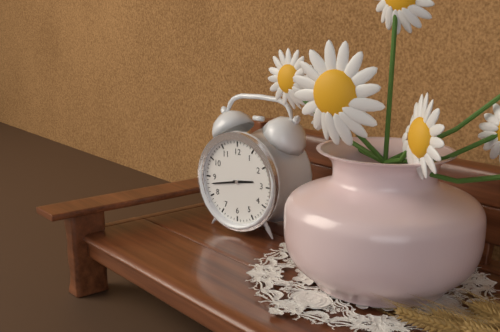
2,43
